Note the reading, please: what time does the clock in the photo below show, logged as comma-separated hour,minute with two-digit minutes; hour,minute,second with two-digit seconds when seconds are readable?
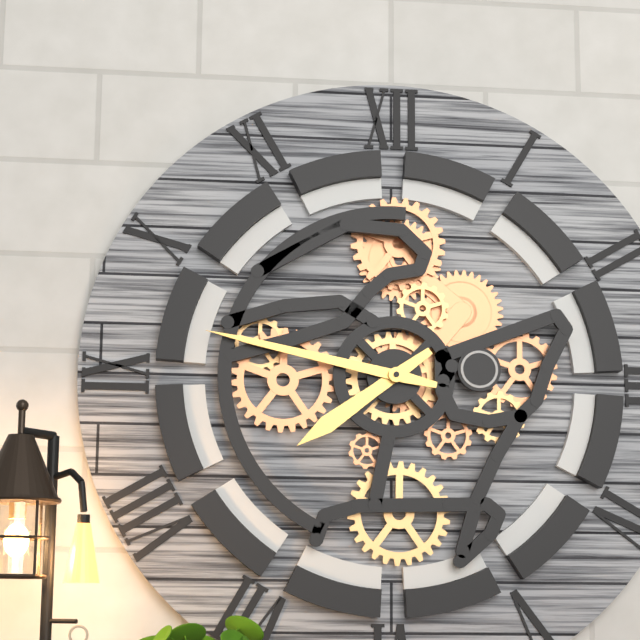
7,47
